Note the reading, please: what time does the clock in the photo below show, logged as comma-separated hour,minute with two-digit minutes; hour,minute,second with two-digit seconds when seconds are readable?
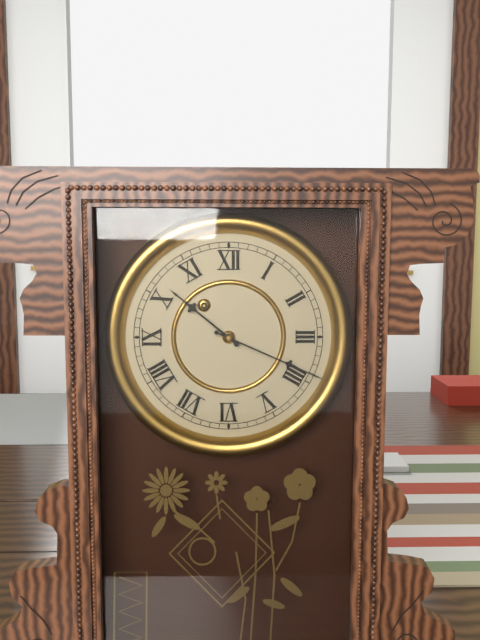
10,19
